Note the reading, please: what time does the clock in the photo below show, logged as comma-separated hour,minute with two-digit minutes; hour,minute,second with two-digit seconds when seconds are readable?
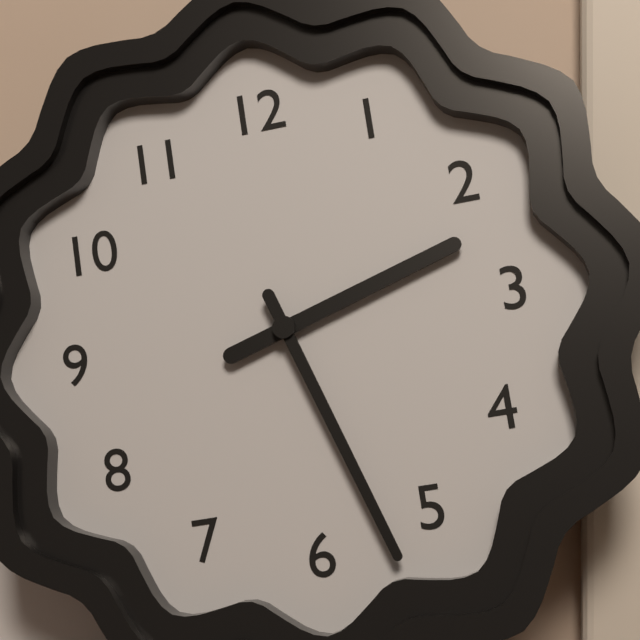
2,27
